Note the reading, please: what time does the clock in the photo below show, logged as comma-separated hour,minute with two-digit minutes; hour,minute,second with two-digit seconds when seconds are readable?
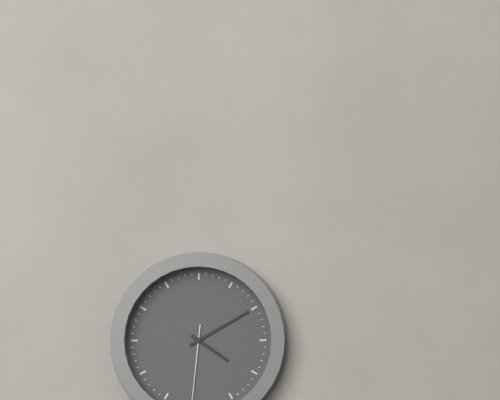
4,10
